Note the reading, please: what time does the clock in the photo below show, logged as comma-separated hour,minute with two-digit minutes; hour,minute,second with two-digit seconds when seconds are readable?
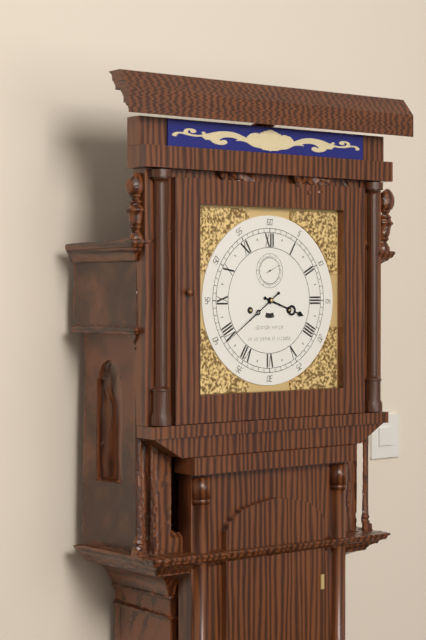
3,39
